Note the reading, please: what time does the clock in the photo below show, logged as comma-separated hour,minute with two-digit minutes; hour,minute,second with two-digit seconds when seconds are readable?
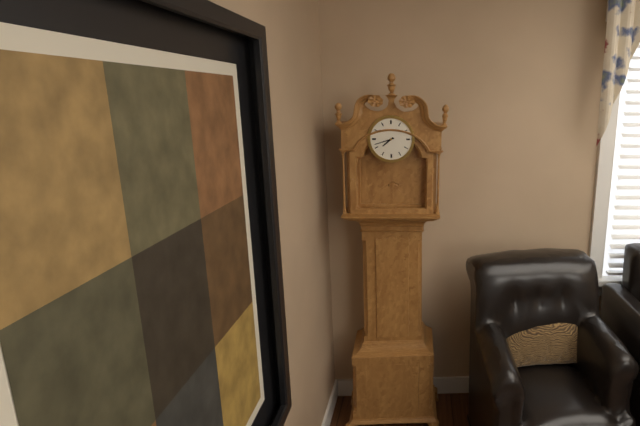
7,42
